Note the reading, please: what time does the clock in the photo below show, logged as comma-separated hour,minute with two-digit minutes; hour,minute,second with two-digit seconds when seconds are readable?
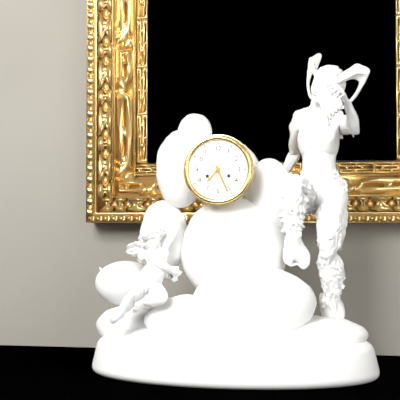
7,26
